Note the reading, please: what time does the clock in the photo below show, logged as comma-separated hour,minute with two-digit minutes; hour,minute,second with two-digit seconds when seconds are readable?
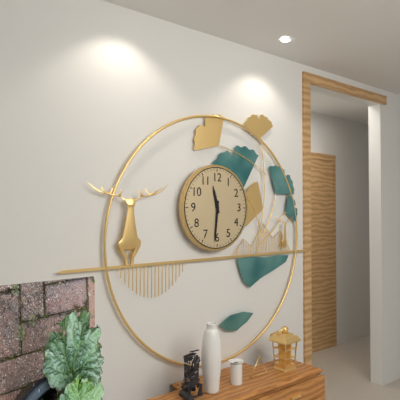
11,31
